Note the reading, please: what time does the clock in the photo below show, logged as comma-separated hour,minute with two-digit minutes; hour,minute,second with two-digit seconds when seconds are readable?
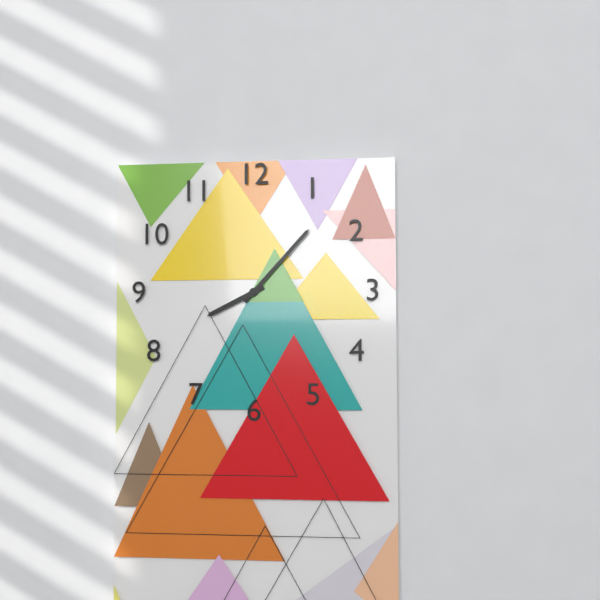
8,07
